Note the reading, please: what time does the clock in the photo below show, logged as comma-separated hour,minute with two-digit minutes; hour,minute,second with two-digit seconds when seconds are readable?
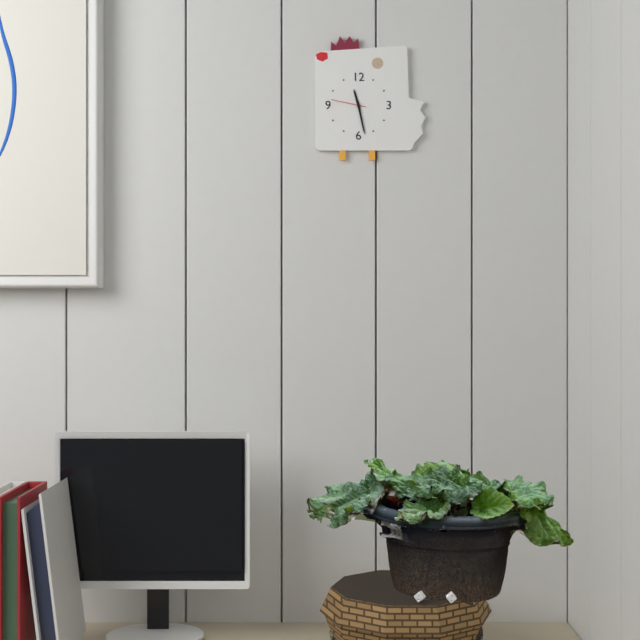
11,28
